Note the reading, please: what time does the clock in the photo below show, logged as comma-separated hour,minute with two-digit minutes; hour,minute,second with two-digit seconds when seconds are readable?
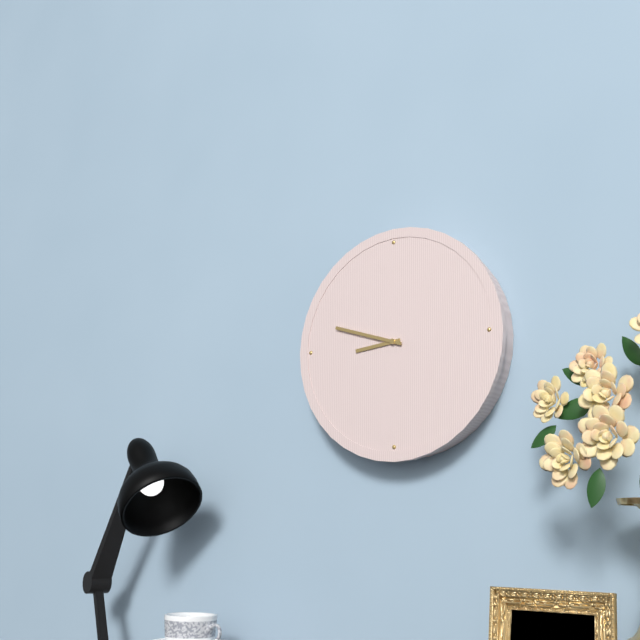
8,48
